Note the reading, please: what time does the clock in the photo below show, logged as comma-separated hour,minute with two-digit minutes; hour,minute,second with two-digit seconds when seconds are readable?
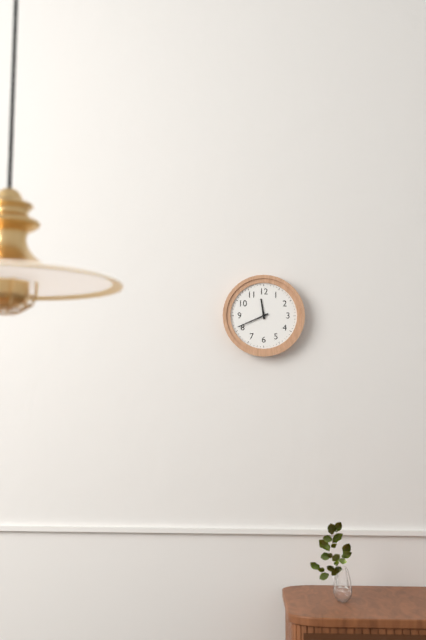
11,41
